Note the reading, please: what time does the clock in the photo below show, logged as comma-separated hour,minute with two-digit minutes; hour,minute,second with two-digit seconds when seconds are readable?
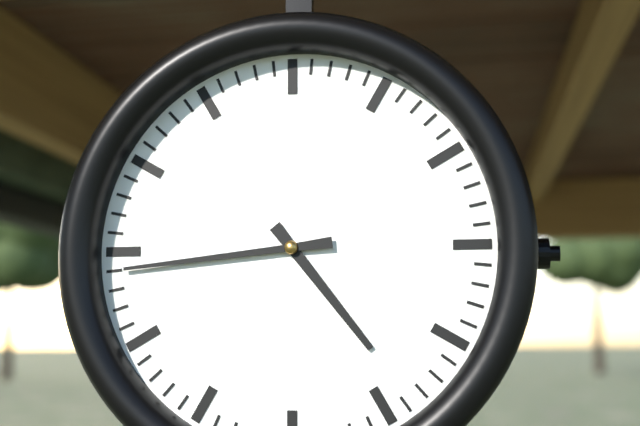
4,44
